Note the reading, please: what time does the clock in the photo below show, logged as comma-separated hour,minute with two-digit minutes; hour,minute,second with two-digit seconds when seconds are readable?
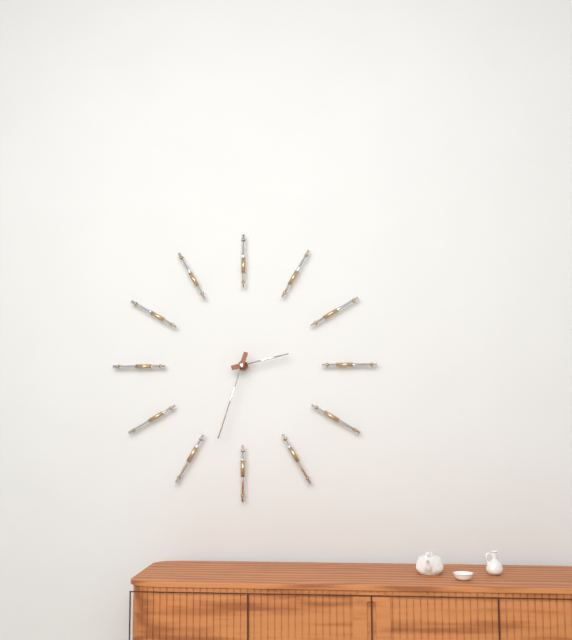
2,33
